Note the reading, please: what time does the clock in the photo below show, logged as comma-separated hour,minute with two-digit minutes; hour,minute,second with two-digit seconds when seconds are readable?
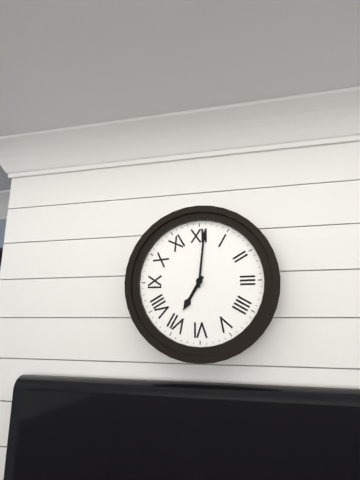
7,01
